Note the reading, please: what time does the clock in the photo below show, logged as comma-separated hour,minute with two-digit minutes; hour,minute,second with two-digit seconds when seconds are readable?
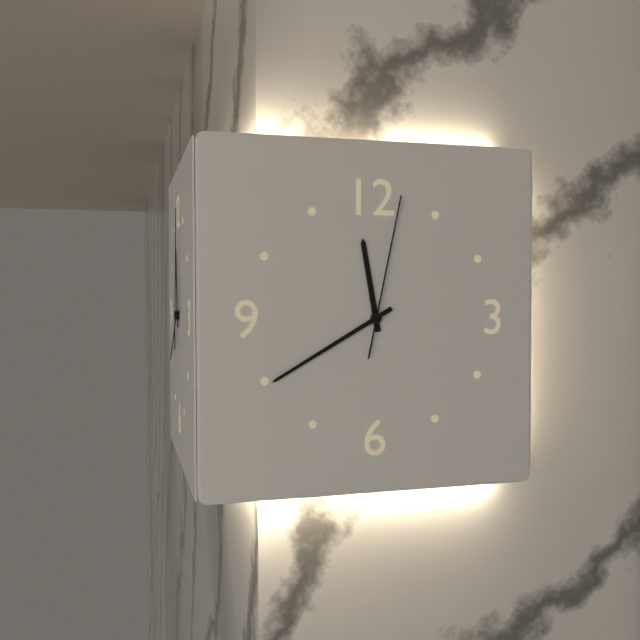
11,40,02
